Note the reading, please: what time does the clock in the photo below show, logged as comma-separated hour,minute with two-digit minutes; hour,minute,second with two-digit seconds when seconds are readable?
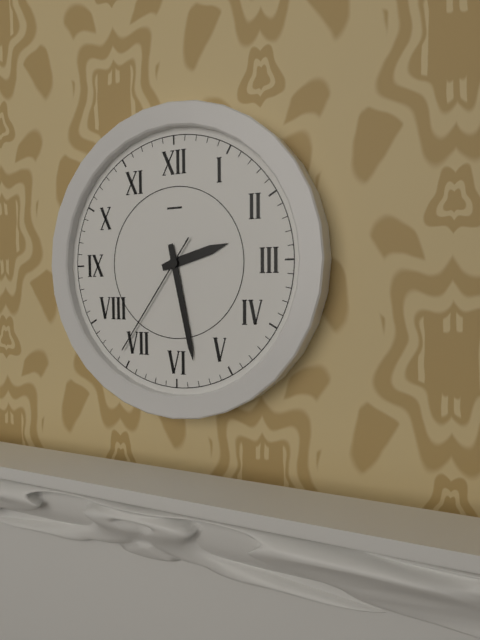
2,28,36
